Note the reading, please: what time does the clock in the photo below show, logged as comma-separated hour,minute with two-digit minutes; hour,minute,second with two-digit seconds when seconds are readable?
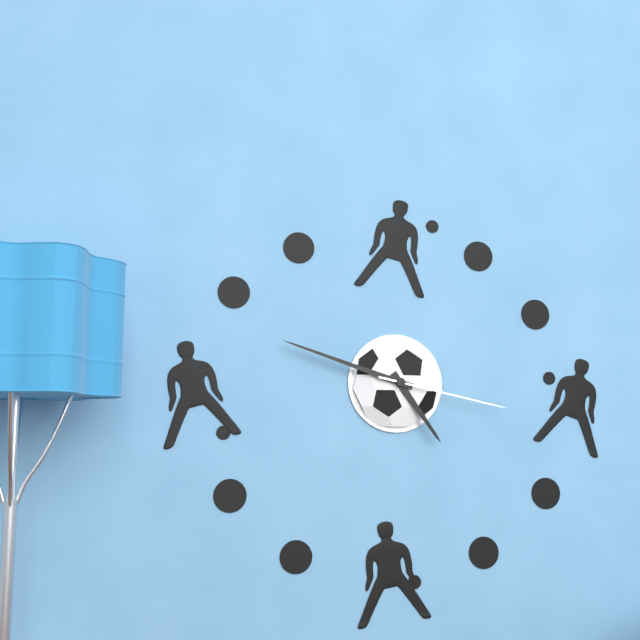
4,48,17
